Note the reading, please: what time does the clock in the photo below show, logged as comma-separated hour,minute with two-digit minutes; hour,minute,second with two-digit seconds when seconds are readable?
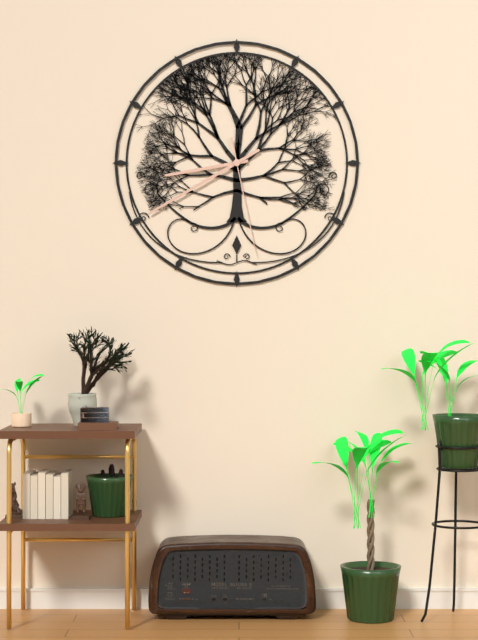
8,40,28
